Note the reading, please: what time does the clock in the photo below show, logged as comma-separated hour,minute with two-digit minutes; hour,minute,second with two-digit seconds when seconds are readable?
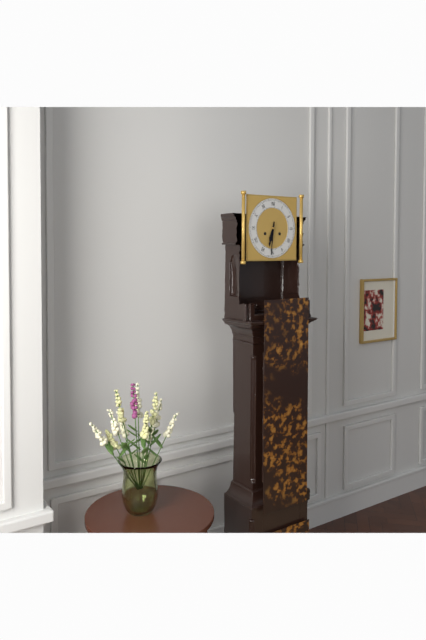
6,31
